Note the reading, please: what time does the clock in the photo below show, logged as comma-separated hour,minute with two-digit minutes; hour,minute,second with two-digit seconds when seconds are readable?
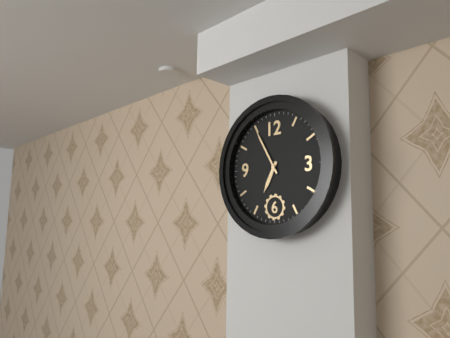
6,55
